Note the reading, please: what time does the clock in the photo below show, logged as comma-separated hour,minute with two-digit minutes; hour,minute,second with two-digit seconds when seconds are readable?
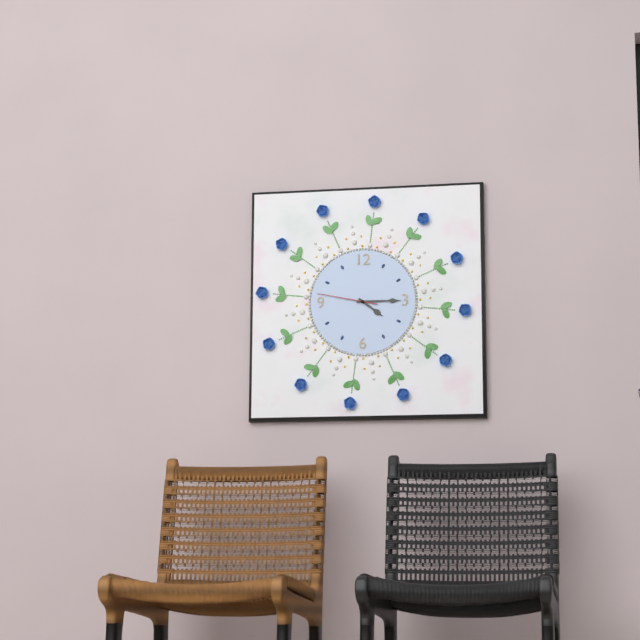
4,15,47
